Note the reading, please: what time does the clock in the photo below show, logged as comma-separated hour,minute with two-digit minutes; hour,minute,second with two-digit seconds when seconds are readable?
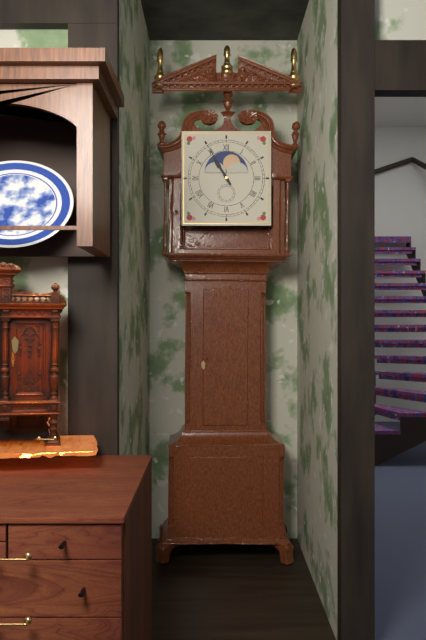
10,55
